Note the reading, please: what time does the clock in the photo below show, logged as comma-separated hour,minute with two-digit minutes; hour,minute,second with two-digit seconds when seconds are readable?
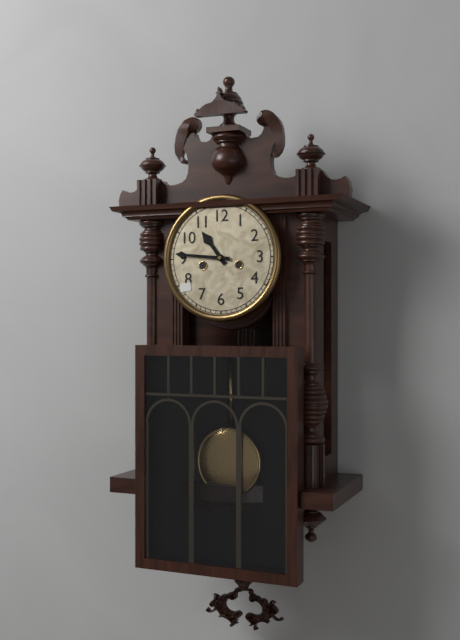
10,46
